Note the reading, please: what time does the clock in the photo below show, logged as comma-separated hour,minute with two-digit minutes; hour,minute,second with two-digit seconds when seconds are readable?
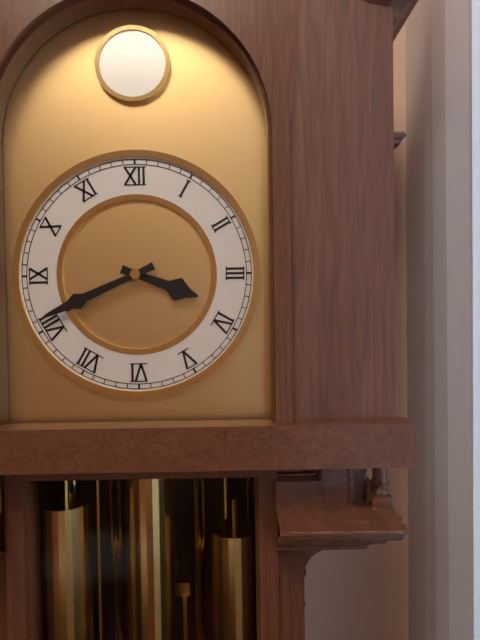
3,41
